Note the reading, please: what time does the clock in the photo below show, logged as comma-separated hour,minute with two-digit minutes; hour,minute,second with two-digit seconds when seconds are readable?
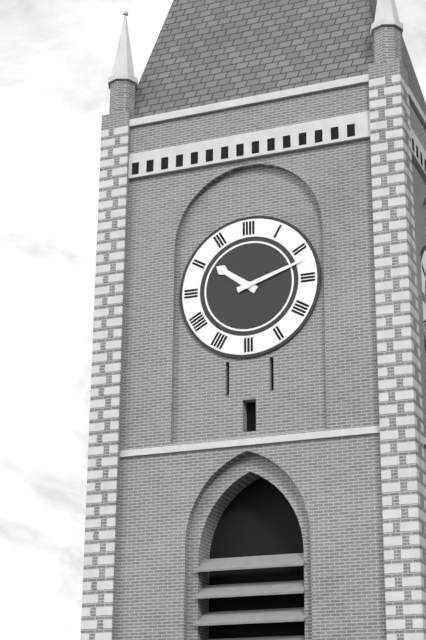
10,12
